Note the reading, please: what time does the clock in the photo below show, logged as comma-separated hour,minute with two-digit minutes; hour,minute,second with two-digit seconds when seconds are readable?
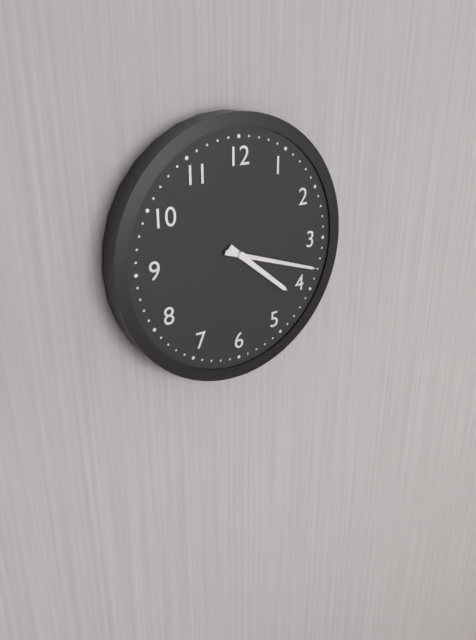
4,18
